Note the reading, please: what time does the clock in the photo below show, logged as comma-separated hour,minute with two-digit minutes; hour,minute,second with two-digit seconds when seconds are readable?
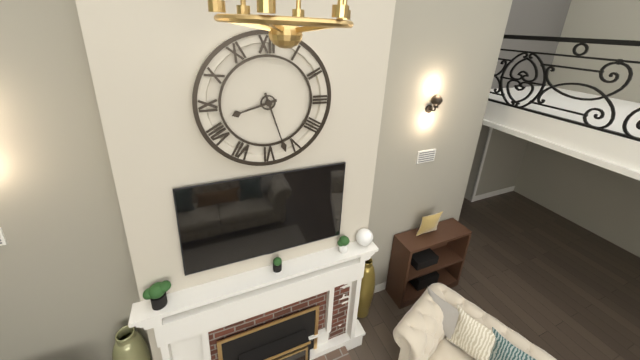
8,27
